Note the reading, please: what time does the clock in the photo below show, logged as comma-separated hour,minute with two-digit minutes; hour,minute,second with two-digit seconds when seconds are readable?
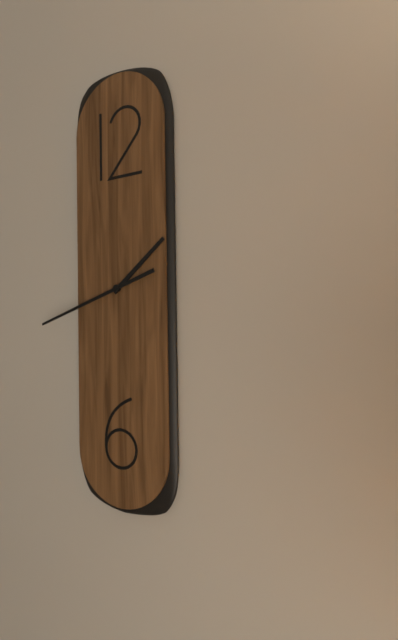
1,42
